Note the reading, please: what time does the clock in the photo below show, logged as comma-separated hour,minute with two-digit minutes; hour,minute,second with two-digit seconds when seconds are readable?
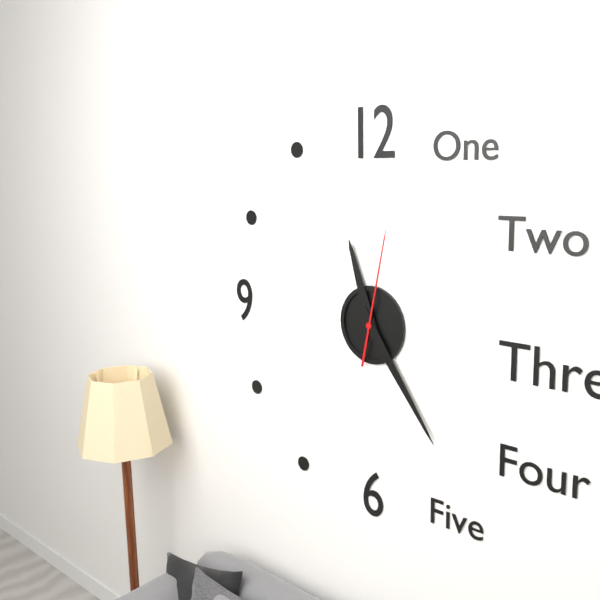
11,24,02
